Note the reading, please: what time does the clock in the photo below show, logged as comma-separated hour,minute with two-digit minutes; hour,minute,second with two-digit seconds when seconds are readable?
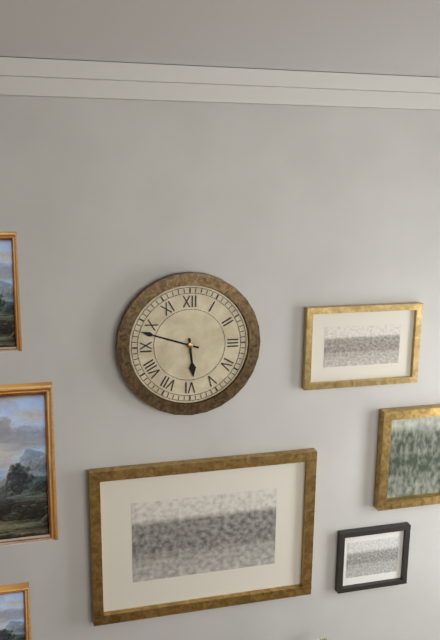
5,48
